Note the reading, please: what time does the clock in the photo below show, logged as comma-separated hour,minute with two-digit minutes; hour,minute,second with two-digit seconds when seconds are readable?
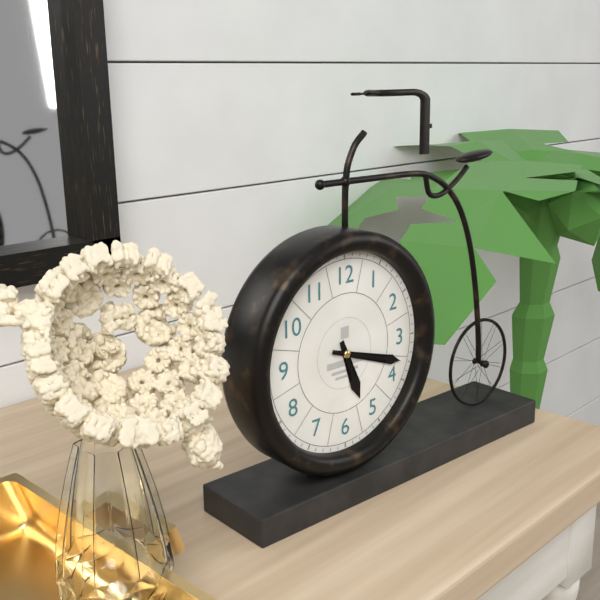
5,18
